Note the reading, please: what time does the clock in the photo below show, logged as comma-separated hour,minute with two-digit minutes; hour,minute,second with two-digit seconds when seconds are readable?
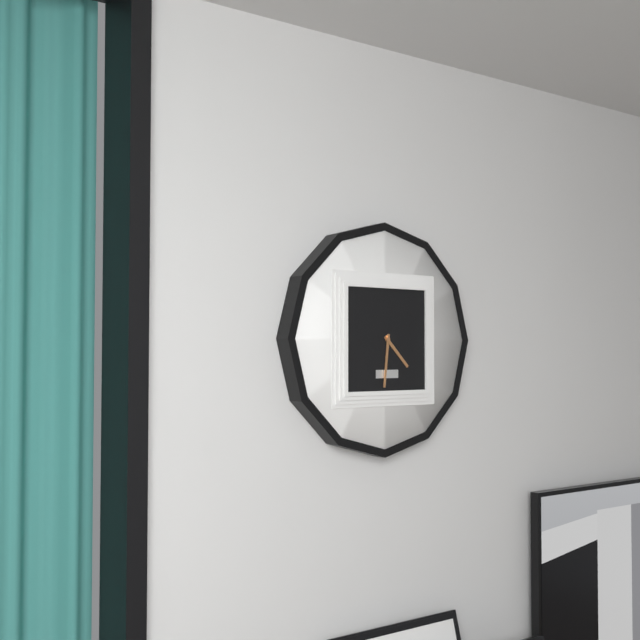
4,31
